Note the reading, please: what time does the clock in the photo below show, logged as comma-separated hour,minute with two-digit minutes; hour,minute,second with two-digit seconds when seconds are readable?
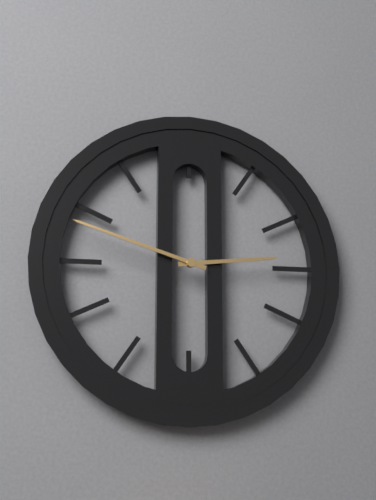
2,48
